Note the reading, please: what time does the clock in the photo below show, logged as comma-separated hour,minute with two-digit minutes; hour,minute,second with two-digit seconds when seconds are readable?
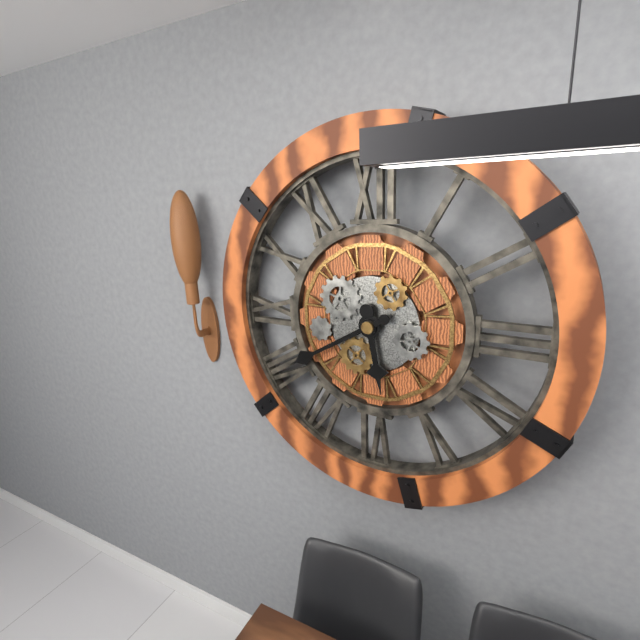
5,40
